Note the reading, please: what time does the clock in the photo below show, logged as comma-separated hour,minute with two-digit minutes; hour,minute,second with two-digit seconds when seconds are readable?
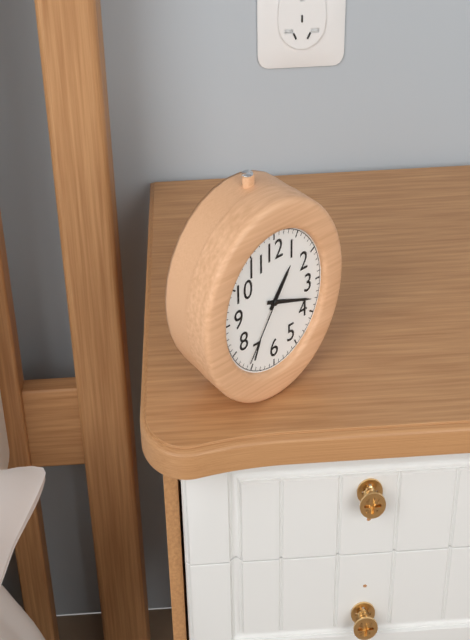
1,18,36
